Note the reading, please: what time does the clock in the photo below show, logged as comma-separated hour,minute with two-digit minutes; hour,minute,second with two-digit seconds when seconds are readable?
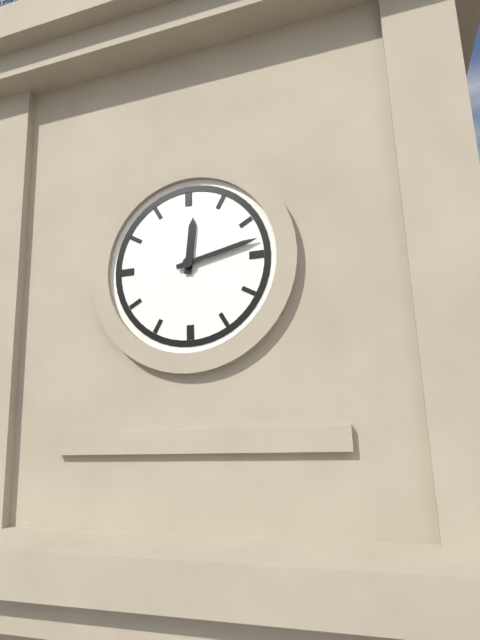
12,13
